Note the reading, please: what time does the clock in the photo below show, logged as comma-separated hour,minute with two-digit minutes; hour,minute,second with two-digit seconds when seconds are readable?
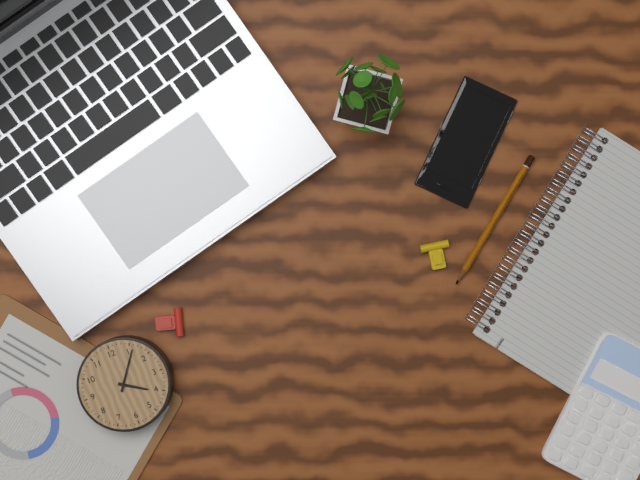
4,06
